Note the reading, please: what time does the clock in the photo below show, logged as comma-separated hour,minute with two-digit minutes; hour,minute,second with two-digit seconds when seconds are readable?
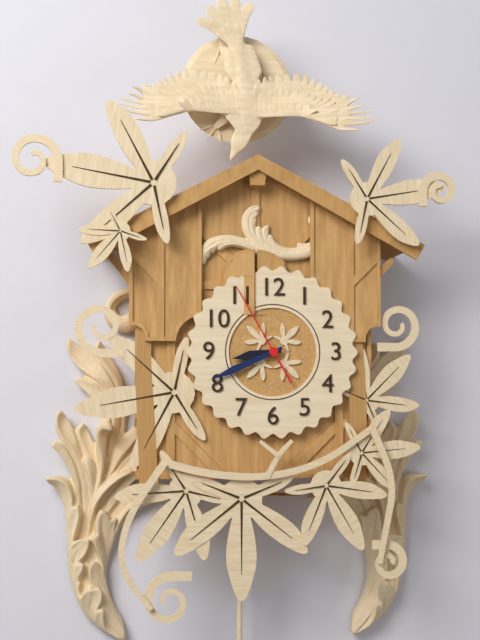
8,41,55
